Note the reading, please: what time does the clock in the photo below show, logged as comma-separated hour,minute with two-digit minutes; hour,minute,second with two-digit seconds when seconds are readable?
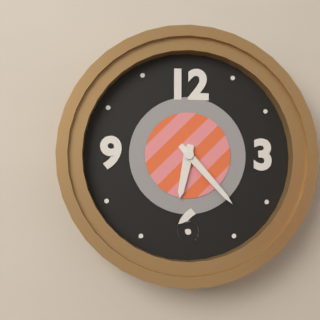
6,23
